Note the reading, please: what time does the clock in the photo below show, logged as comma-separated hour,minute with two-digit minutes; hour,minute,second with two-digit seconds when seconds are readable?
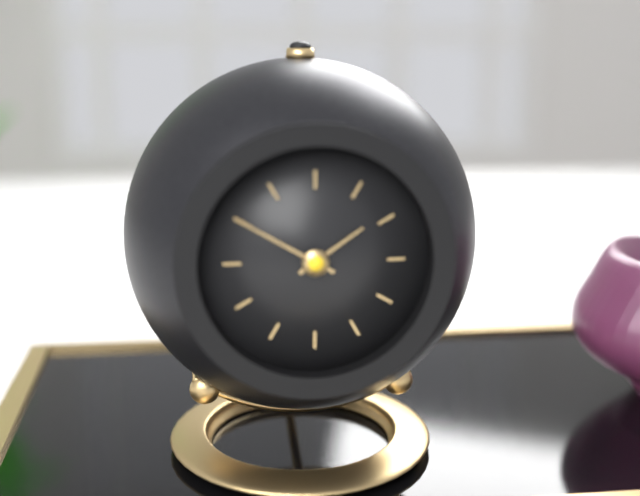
1,50
